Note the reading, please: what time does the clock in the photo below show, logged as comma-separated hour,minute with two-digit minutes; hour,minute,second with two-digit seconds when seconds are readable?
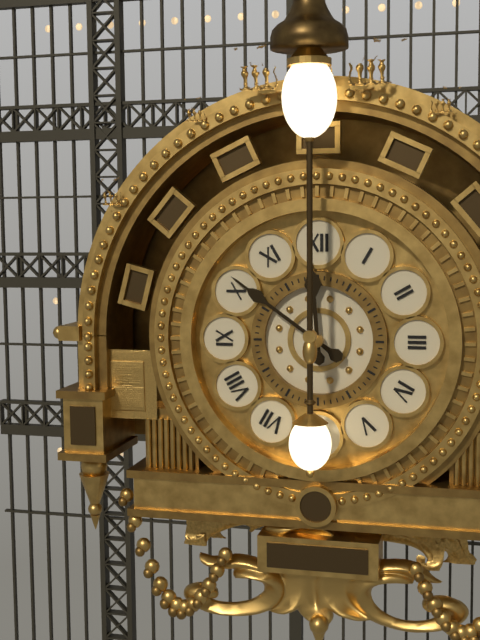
11,51
